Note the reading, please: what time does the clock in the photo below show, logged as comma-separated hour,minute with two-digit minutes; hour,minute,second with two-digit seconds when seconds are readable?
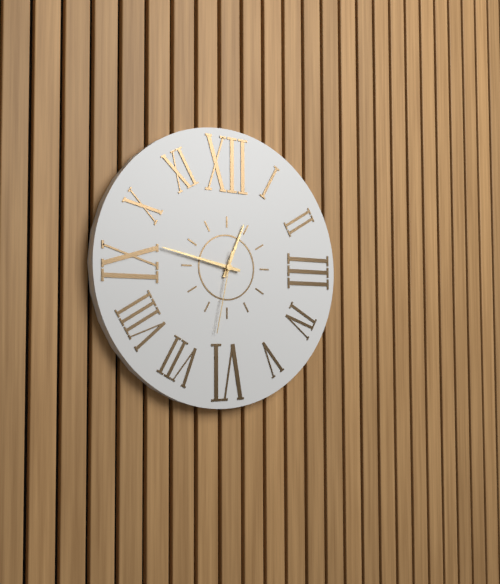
12,47,32
